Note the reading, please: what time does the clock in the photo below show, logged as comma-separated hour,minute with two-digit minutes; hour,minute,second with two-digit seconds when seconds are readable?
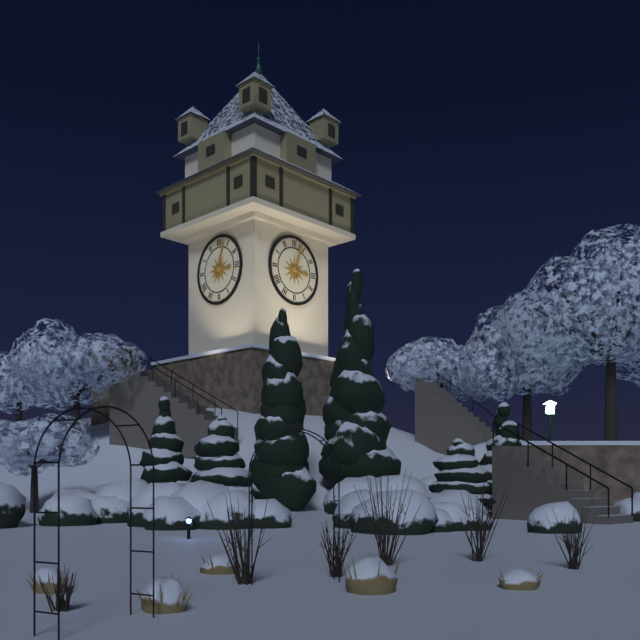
3,03
